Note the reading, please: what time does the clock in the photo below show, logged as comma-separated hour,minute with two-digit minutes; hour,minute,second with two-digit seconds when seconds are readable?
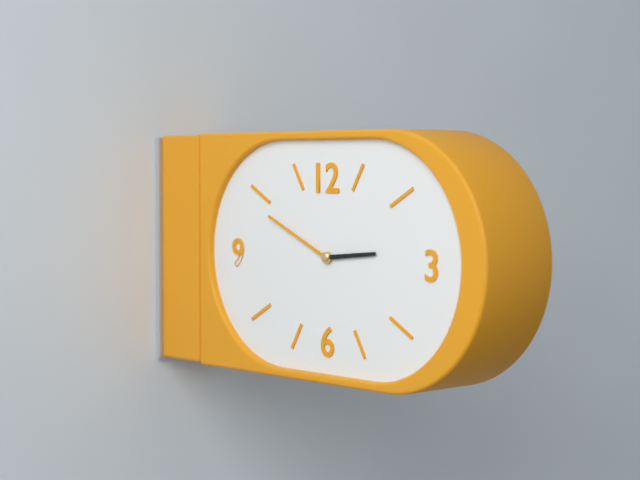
2,49
